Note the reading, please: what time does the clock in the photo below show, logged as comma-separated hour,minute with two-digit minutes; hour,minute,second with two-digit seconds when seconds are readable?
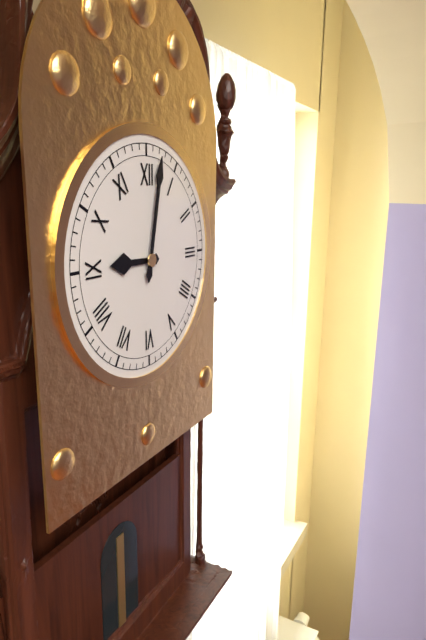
9,02
